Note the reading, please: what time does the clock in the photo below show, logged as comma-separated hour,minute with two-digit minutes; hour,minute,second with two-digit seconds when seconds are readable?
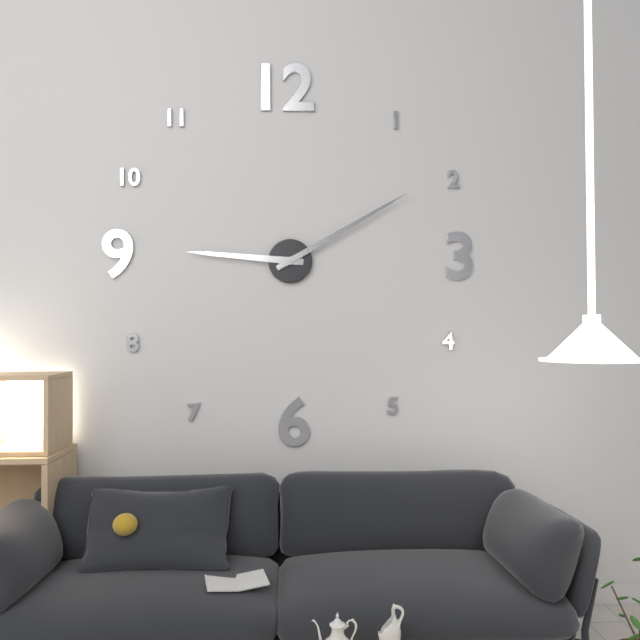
9,10
